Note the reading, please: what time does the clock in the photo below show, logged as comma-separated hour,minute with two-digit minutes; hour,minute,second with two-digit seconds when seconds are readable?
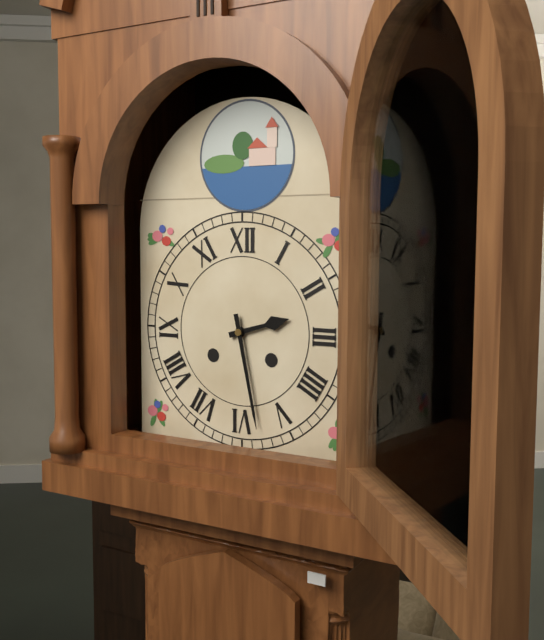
2,28
